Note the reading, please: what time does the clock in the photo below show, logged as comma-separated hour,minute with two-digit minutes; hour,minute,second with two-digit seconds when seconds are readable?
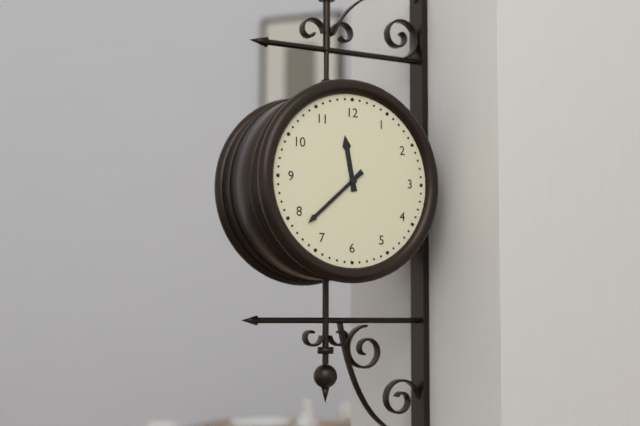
11,38
